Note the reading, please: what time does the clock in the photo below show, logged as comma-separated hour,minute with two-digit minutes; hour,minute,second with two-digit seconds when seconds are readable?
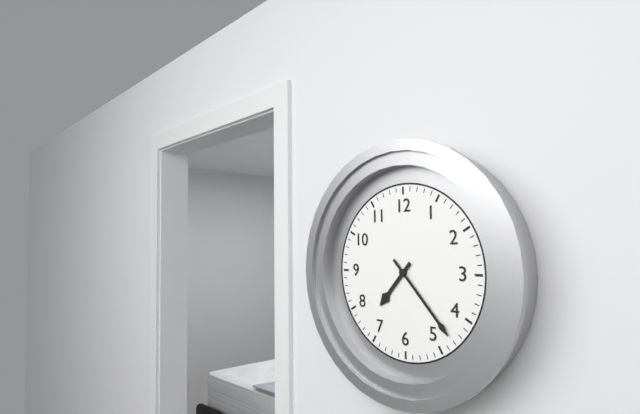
7,23
